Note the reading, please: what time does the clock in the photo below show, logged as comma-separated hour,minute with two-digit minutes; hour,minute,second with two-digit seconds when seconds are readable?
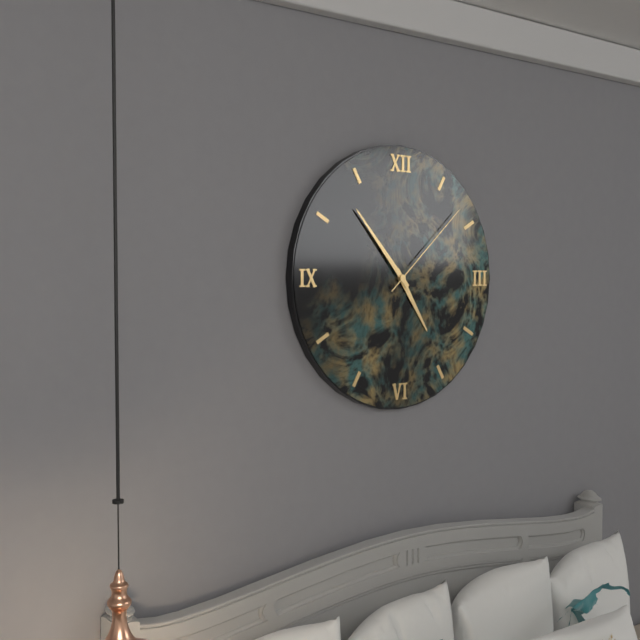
4,53,08
